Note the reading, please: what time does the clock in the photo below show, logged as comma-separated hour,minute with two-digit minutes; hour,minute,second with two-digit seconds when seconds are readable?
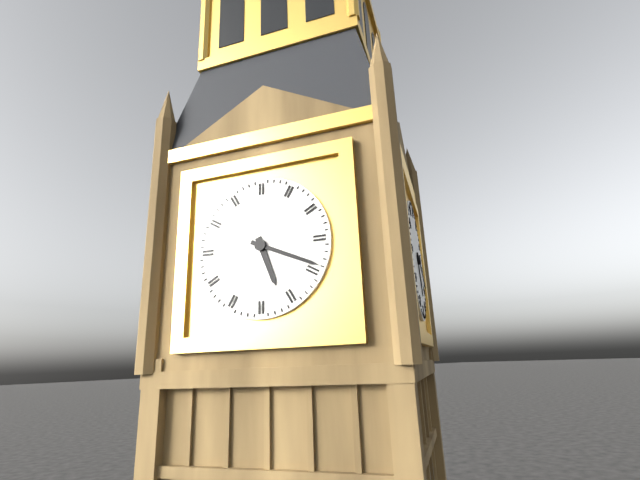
5,19
